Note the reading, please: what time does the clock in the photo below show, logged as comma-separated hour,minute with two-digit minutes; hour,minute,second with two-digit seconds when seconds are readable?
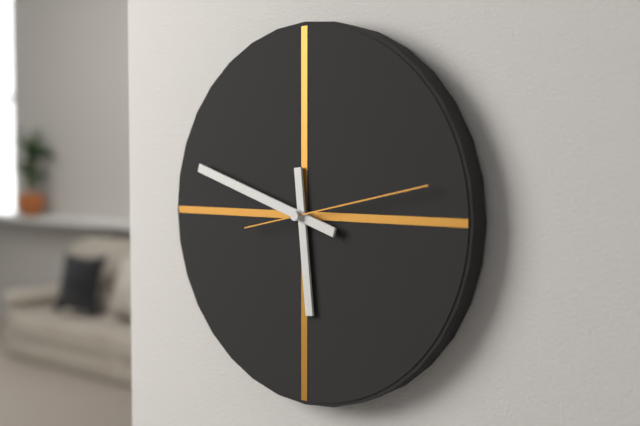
5,48,13
